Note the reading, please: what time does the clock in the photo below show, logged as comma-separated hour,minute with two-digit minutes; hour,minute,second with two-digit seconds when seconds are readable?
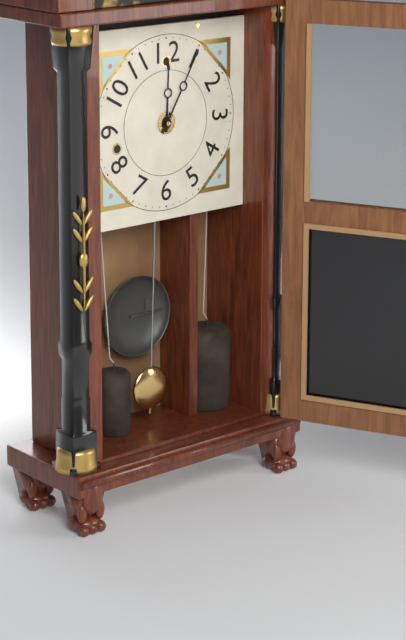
12,05
